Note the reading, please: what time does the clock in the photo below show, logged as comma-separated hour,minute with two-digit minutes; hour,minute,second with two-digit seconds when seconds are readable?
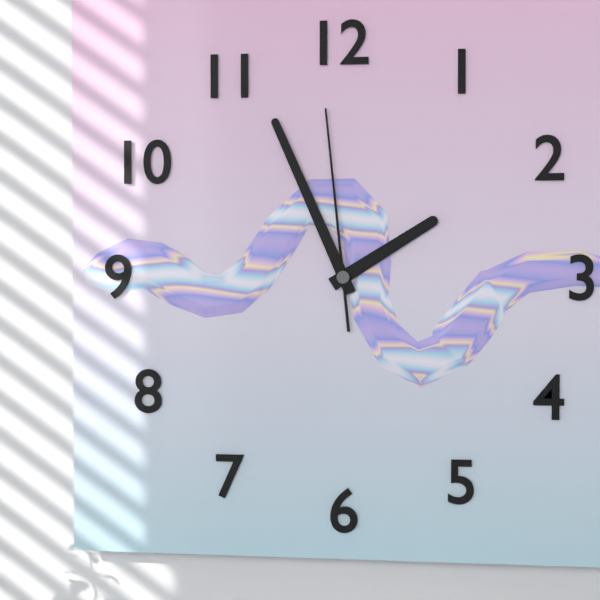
1,56,59
